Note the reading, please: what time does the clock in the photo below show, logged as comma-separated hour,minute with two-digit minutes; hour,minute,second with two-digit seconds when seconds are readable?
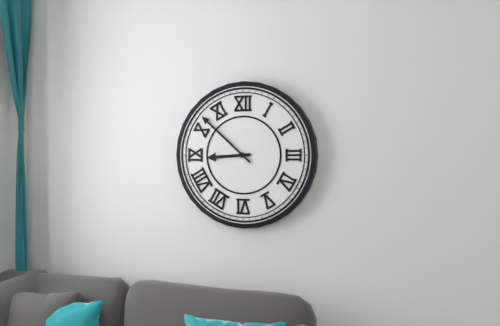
8,52
